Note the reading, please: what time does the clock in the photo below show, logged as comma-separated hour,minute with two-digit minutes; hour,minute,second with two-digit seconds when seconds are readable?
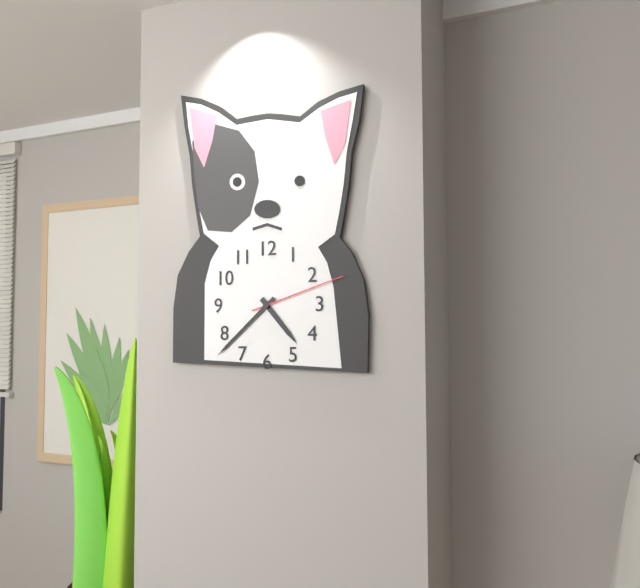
4,38,12
